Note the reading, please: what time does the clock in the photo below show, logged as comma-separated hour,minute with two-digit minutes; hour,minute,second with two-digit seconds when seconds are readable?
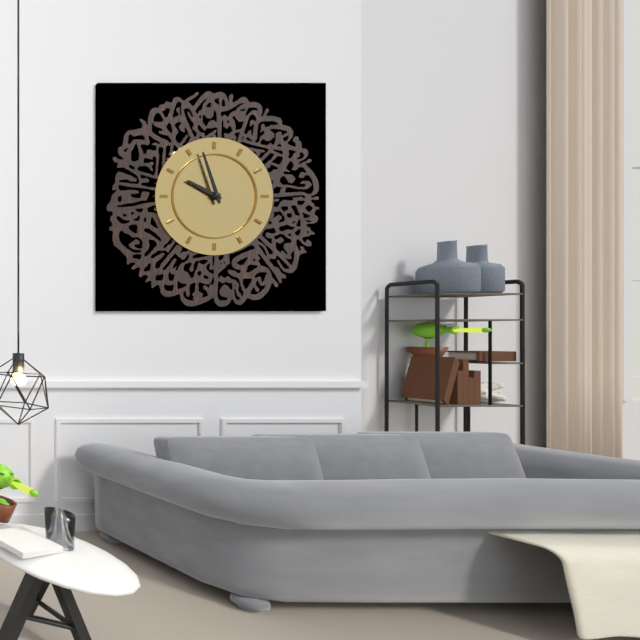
9,57
